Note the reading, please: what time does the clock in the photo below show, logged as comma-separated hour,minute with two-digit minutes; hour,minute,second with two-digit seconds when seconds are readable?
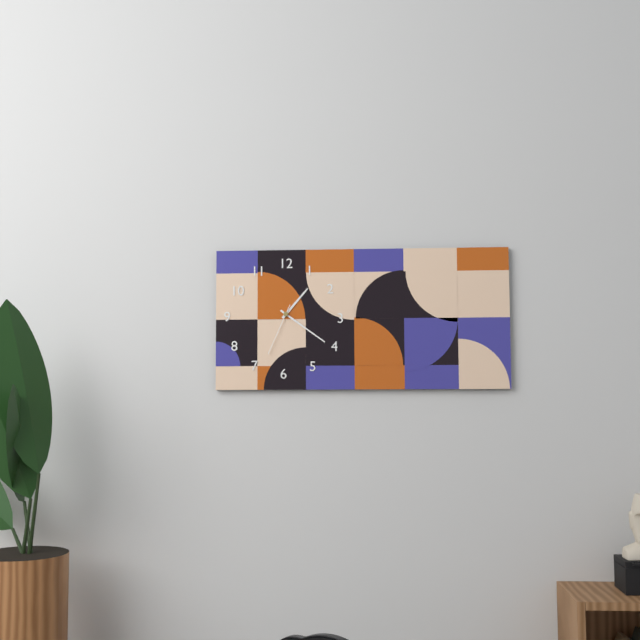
1,21,34
